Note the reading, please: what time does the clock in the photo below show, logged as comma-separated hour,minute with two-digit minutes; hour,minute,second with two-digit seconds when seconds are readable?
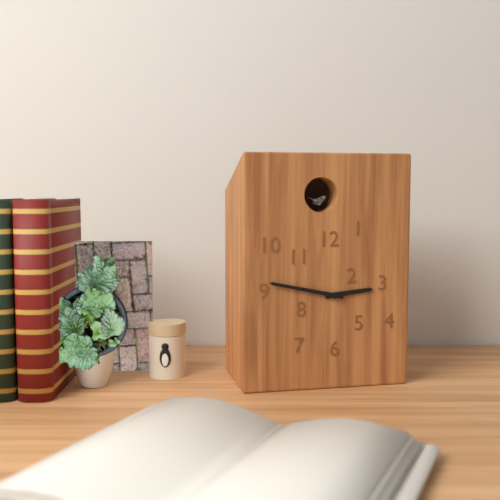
2,47
